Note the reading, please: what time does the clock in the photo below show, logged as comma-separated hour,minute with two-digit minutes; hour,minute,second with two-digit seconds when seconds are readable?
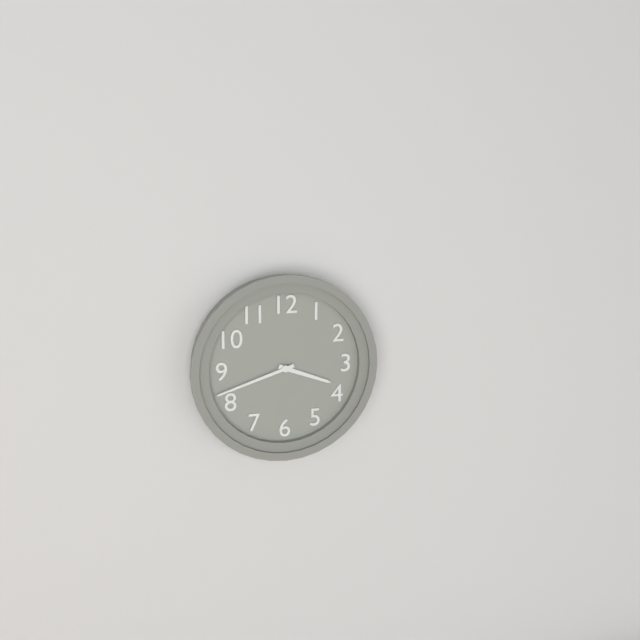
3,42
